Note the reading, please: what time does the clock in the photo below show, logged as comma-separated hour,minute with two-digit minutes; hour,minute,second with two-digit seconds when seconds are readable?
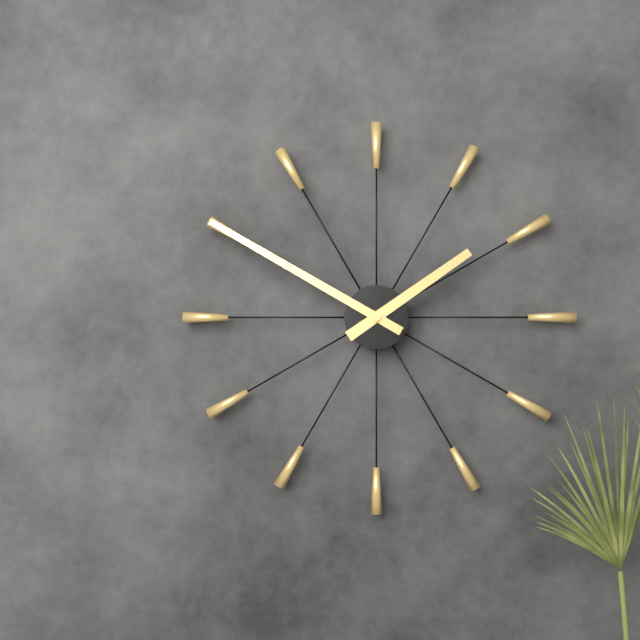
1,50
